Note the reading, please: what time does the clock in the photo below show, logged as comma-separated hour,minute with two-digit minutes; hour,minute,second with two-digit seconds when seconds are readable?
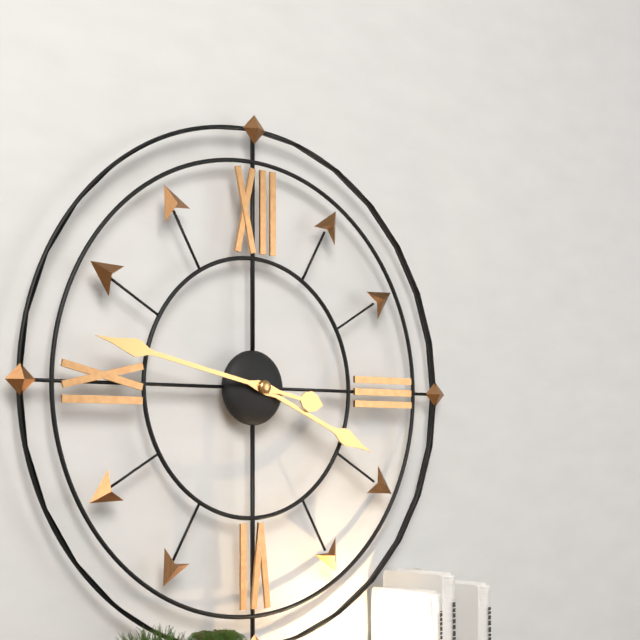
3,47
